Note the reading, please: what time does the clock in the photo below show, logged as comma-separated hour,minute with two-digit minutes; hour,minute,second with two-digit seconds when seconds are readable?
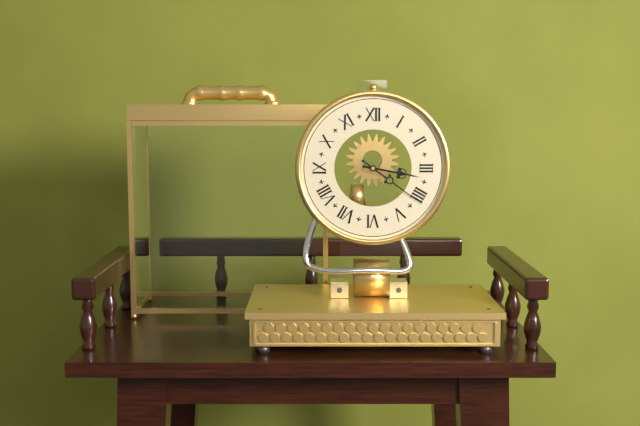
3,21
